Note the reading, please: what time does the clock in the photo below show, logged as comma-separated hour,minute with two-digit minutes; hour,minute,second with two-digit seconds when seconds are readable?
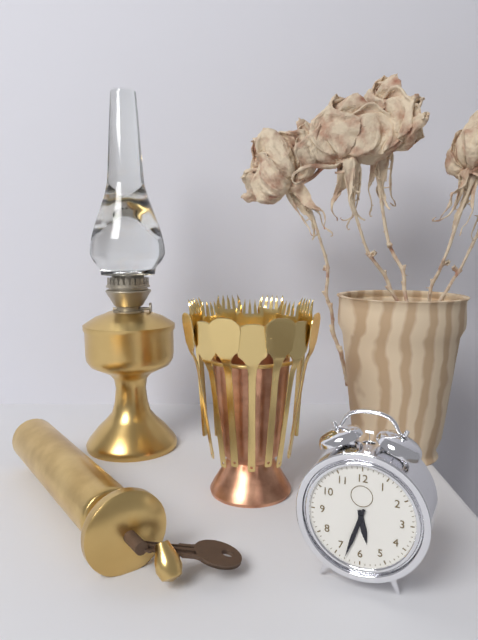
5,33
